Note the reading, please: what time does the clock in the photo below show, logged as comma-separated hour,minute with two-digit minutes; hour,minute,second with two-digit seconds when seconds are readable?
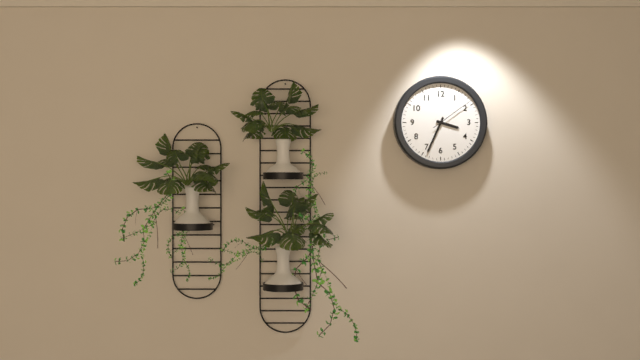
3,34
